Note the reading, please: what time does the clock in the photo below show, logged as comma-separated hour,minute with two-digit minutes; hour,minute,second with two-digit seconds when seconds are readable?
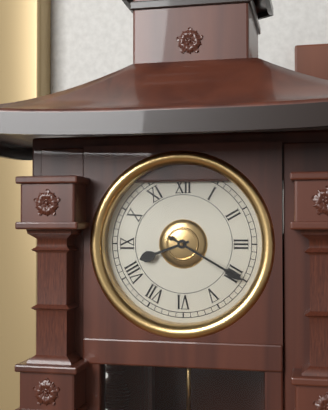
8,20
